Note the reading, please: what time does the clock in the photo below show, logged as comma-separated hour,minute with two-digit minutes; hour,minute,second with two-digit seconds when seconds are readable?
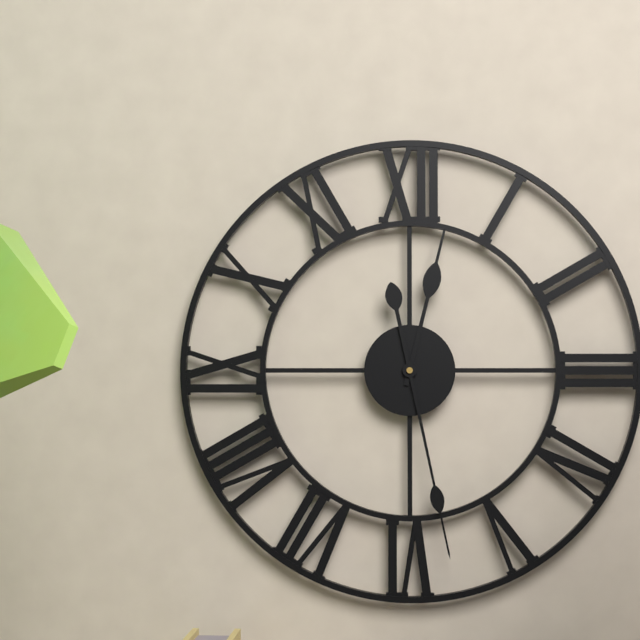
12,28
